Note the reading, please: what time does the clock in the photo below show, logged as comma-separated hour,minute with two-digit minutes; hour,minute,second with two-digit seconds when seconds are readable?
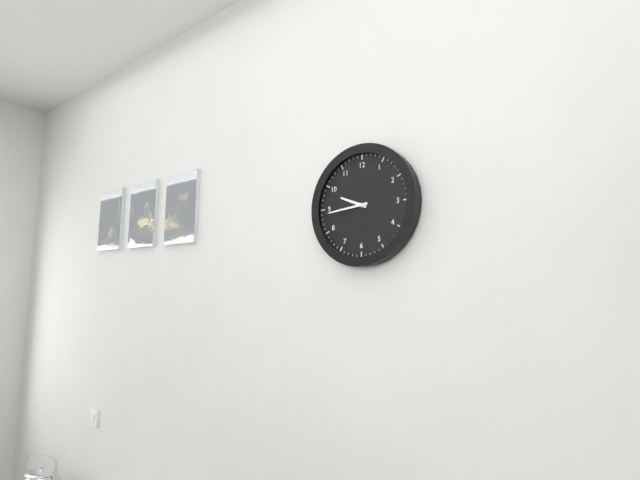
9,44
